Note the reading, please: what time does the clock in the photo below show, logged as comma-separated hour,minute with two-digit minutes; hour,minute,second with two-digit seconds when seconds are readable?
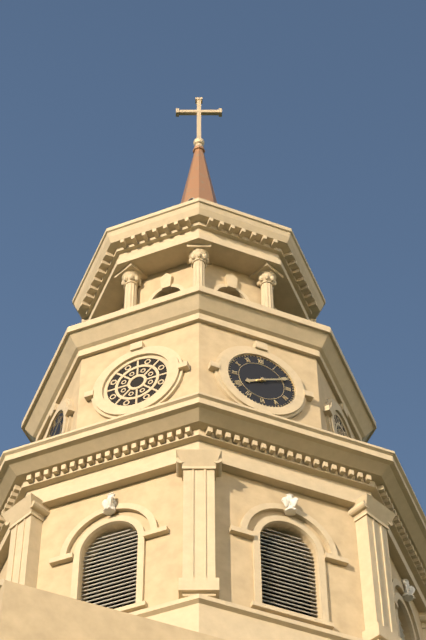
8,11
